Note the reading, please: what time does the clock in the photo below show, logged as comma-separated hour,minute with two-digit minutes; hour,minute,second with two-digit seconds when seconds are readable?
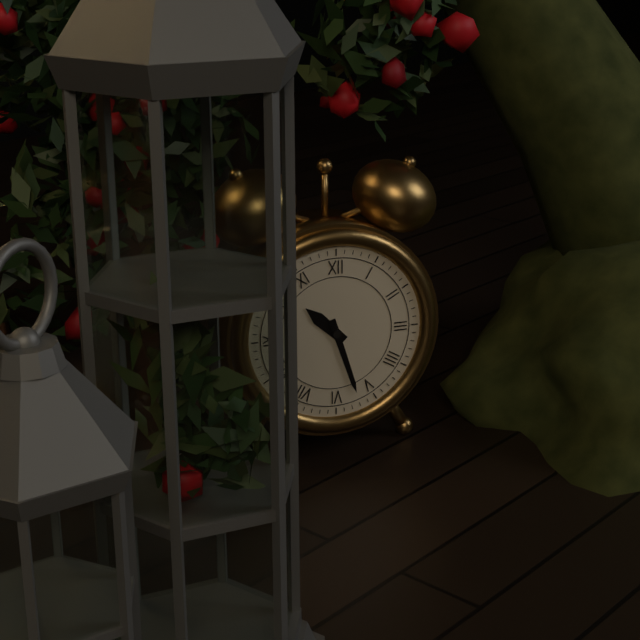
10,27
